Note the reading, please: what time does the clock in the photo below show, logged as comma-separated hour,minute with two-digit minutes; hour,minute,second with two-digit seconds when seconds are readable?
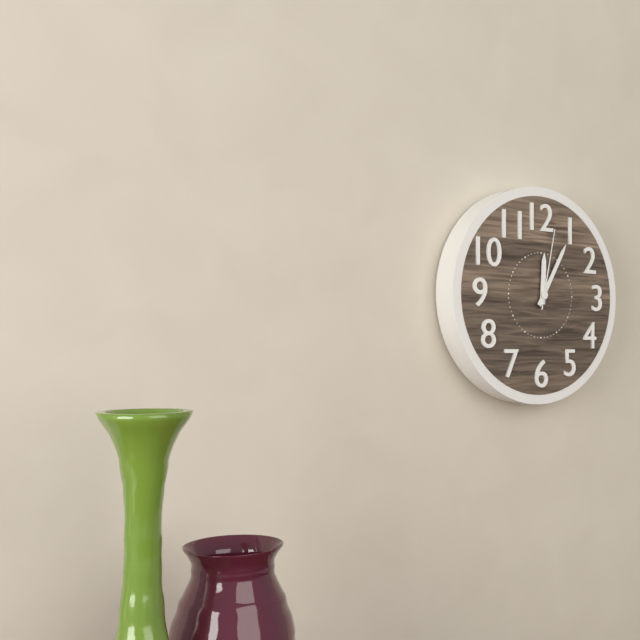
12,05,02
